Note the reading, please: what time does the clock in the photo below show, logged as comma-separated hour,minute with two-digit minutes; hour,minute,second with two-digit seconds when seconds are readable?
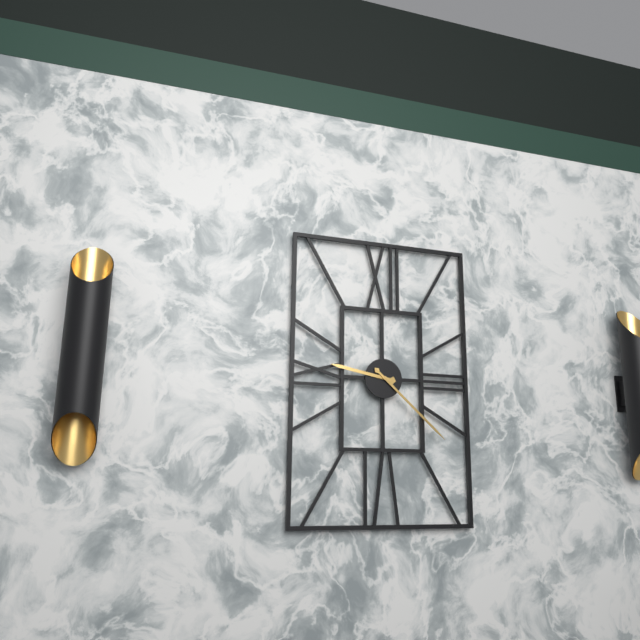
9,22
